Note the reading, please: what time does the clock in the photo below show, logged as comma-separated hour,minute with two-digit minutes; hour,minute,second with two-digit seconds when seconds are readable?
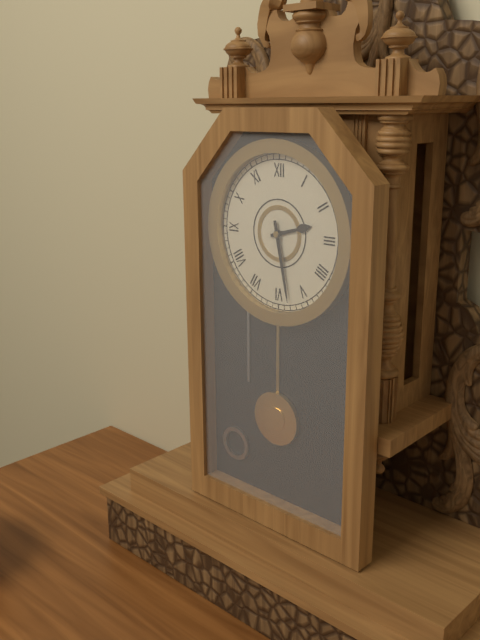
2,28
